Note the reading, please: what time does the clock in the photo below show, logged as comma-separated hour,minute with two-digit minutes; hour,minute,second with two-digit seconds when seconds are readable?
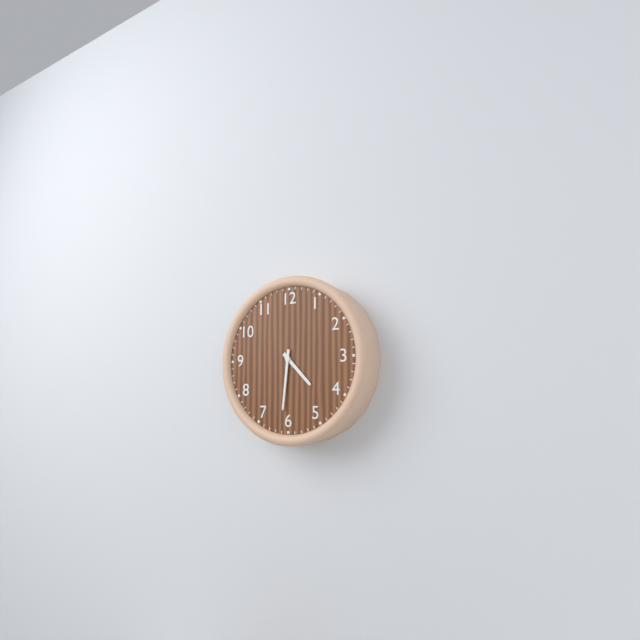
4,31
